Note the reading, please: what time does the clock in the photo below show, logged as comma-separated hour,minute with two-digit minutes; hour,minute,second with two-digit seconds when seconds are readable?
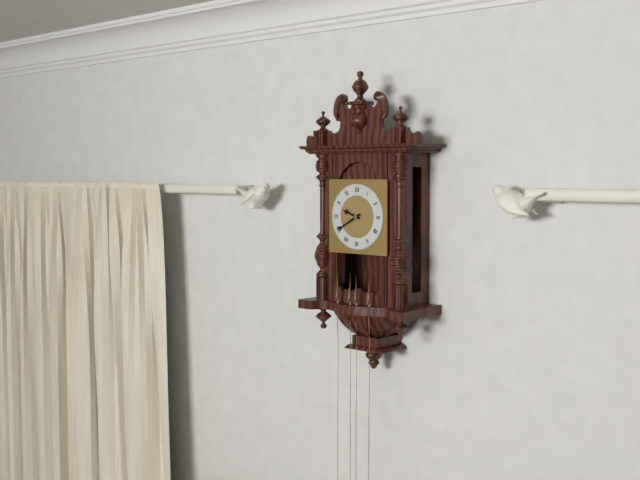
9,40
